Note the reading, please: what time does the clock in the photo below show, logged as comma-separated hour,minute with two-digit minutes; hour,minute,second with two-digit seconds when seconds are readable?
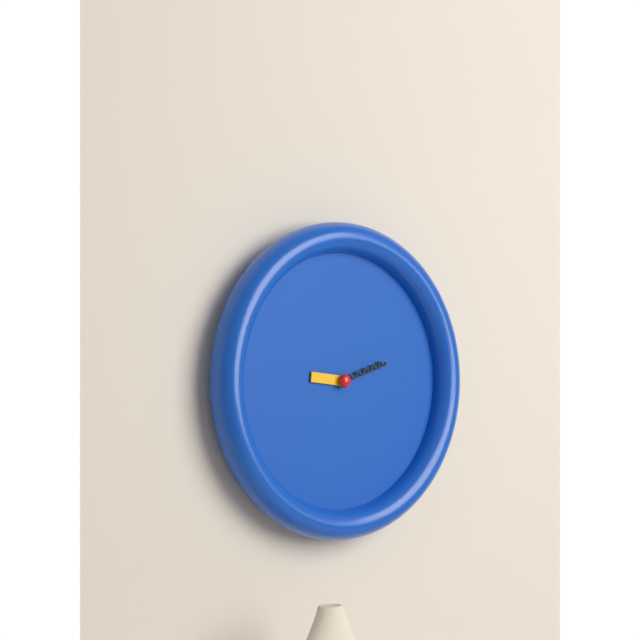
9,12
